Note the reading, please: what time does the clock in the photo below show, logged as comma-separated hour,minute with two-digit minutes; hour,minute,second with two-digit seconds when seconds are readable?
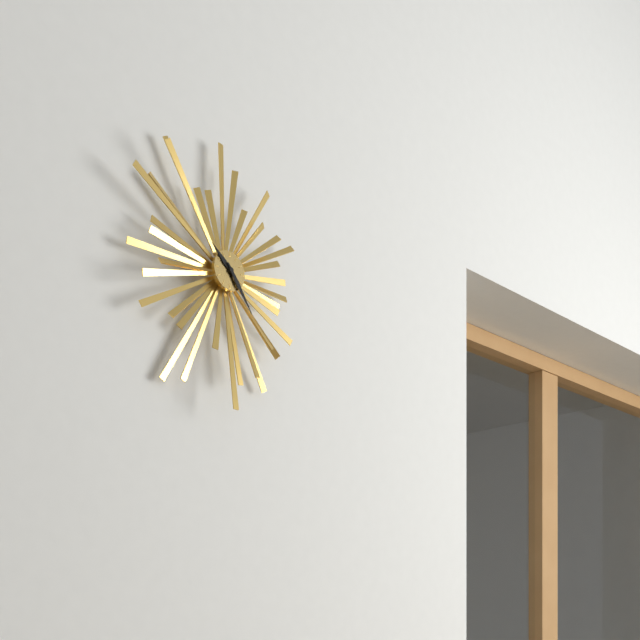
10,24
